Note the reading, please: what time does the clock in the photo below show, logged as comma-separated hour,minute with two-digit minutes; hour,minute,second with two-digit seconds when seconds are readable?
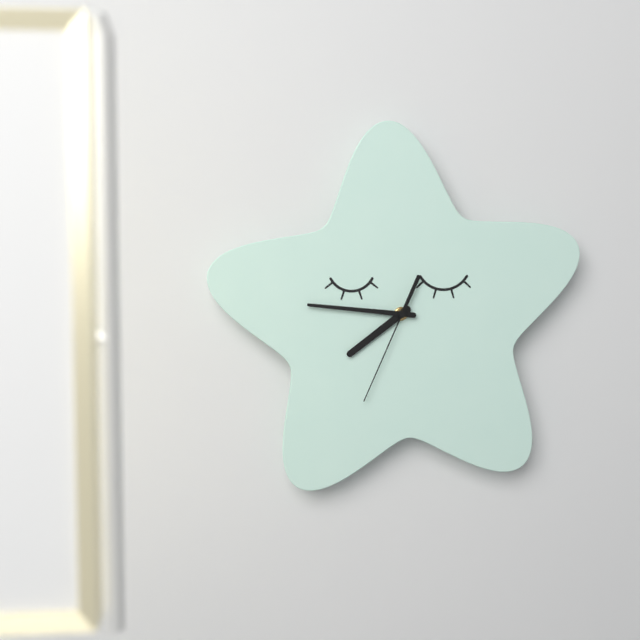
7,46,34
